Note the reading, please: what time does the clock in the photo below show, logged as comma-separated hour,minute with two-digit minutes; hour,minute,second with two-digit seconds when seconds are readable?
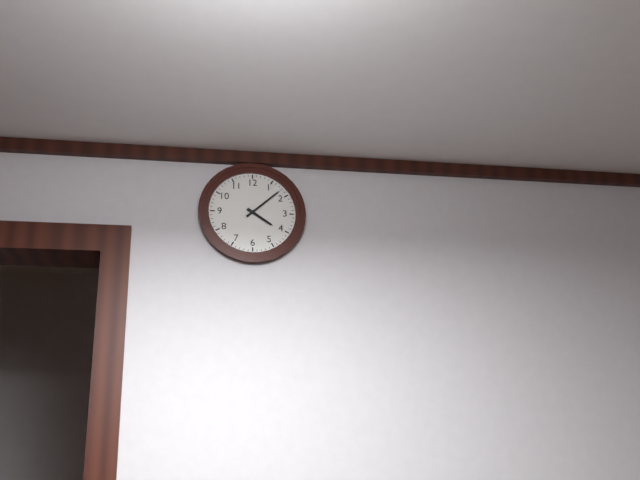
4,08
